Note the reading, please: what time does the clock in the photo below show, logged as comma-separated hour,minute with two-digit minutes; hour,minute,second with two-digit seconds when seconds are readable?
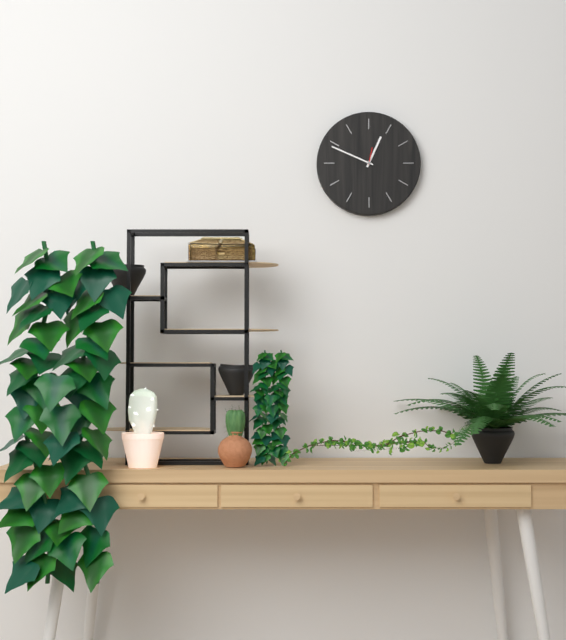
12,49
